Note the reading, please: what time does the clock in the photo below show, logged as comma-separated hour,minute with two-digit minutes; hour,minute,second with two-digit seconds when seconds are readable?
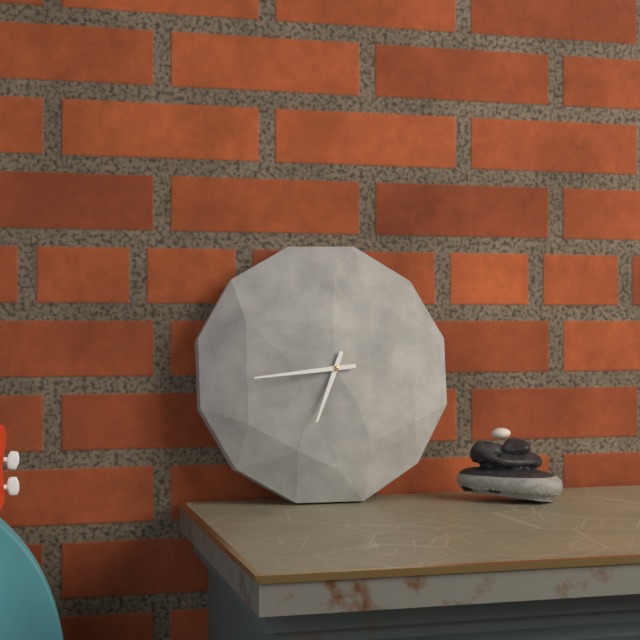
6,44
